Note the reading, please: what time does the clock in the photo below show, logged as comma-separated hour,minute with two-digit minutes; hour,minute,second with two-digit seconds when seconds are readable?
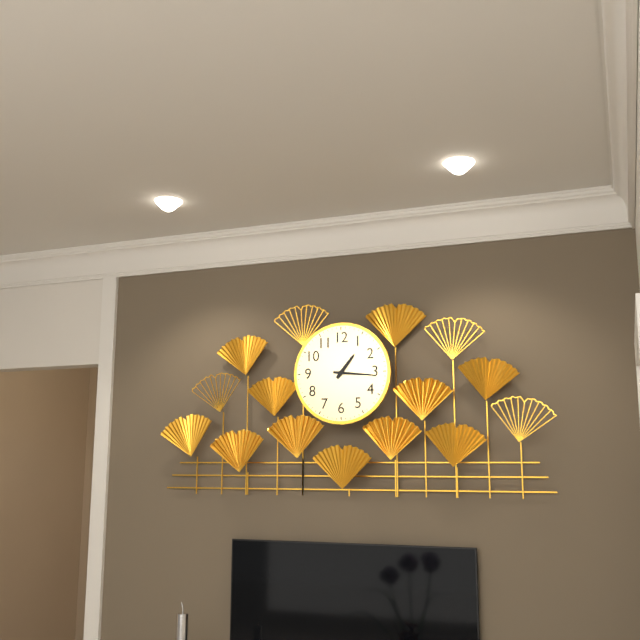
1,16
